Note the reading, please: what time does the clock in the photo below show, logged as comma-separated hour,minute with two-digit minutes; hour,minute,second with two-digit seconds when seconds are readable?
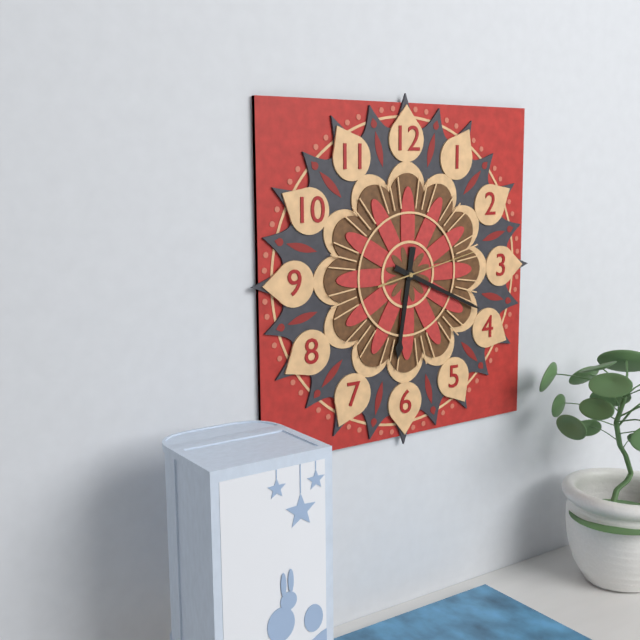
6,19,13
